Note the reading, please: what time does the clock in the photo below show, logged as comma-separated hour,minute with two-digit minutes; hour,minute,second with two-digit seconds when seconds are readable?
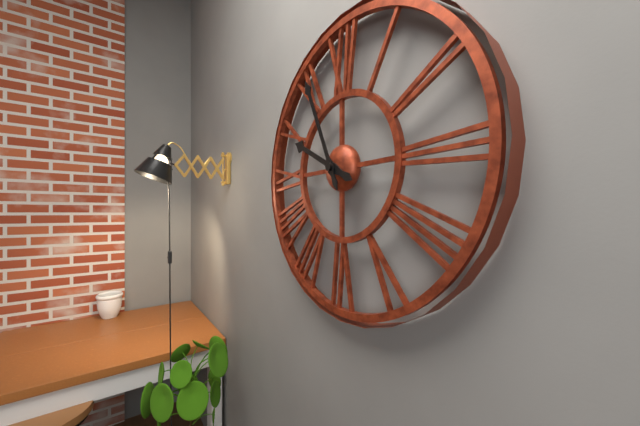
9,56
